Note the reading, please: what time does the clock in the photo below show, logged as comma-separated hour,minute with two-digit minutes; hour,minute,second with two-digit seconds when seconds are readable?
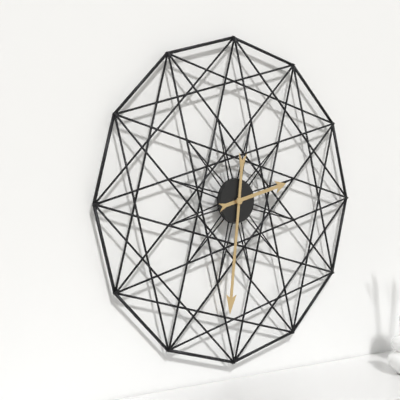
2,31
